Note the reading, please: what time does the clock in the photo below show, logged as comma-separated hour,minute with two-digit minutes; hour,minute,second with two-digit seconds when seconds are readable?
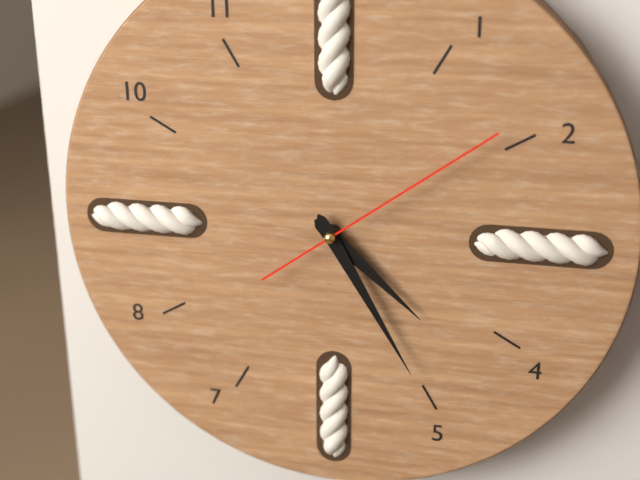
4,25,09
